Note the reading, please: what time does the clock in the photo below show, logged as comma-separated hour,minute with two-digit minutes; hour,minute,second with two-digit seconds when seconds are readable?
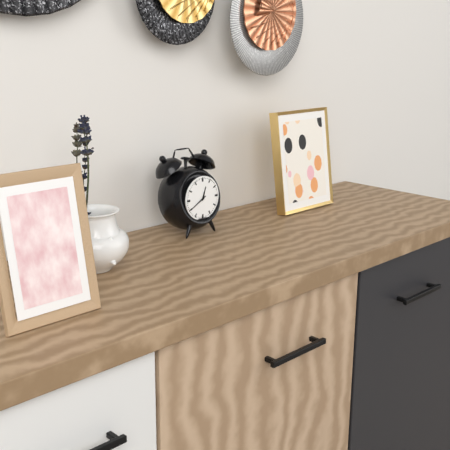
12,40
